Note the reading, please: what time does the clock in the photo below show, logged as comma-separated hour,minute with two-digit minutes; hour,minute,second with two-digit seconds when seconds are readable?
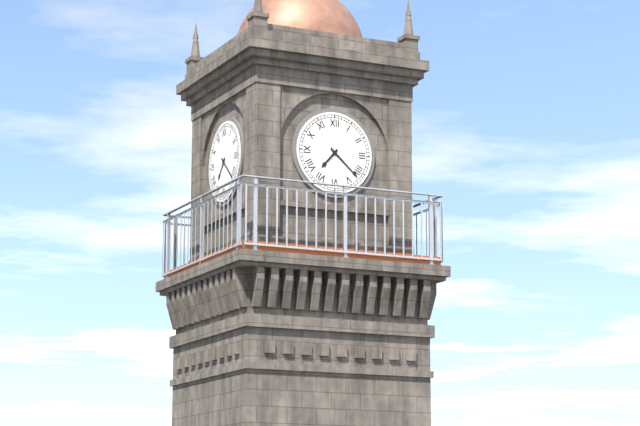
7,22
